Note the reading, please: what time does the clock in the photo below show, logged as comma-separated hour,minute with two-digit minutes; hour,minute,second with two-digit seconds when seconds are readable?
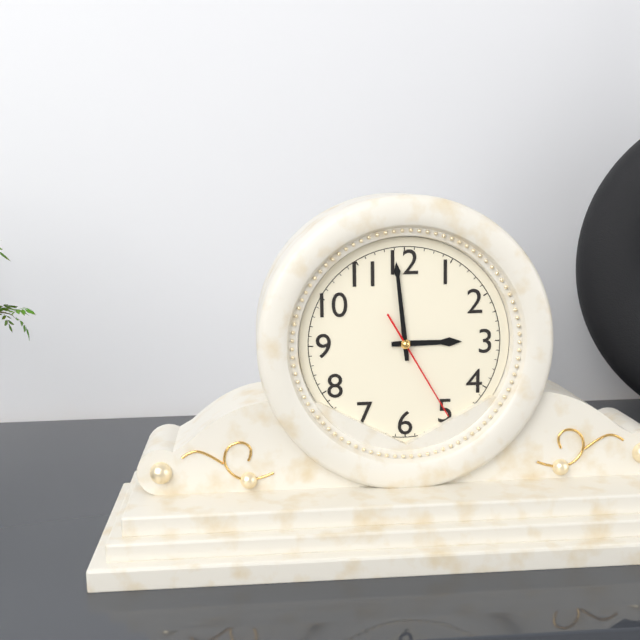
2,59,25
